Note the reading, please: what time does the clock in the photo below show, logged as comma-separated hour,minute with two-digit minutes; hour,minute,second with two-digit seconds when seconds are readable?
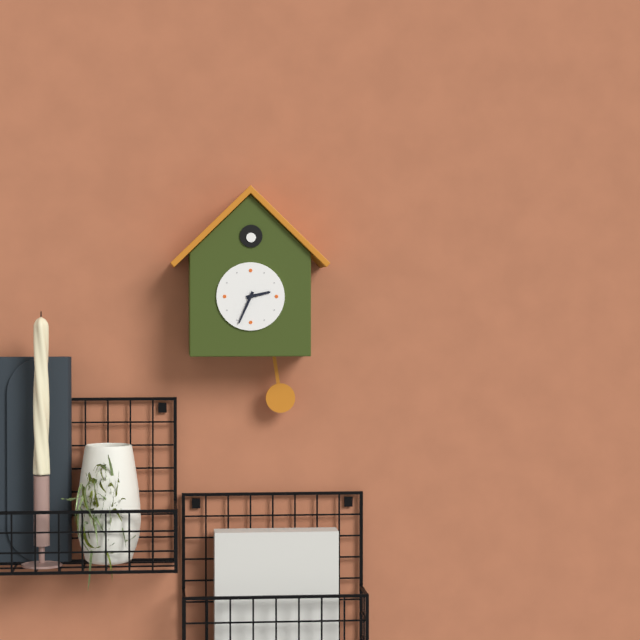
2,34
